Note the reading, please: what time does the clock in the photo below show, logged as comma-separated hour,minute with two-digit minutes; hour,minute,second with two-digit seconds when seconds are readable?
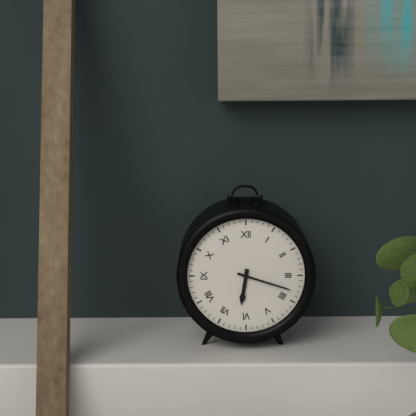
6,18
